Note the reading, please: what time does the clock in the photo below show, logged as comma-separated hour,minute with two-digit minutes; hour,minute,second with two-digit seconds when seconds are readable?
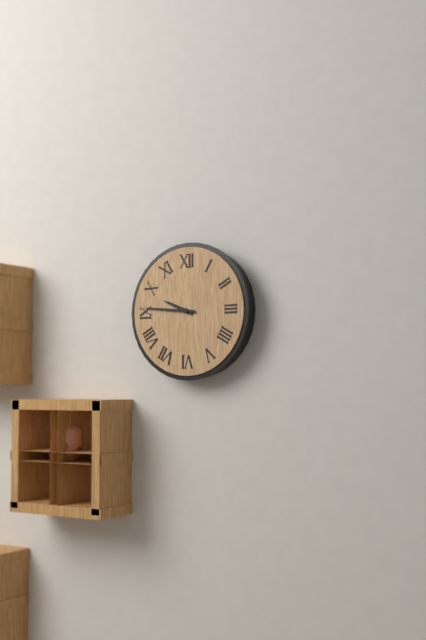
9,46
